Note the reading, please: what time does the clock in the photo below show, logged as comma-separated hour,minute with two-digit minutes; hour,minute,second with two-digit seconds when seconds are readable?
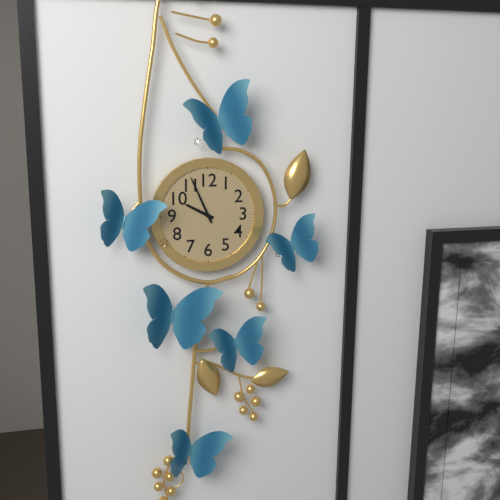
9,56
